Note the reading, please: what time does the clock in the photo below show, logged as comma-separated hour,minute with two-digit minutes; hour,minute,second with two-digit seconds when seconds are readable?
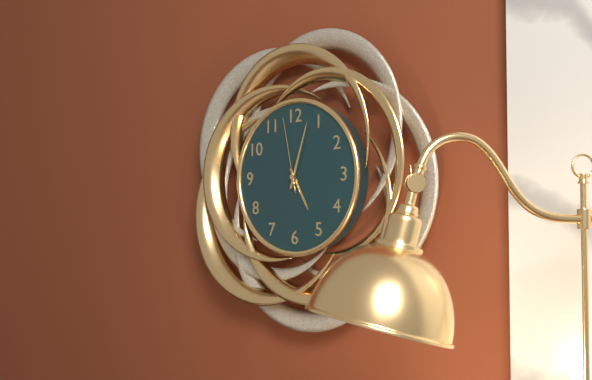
5,03,58
